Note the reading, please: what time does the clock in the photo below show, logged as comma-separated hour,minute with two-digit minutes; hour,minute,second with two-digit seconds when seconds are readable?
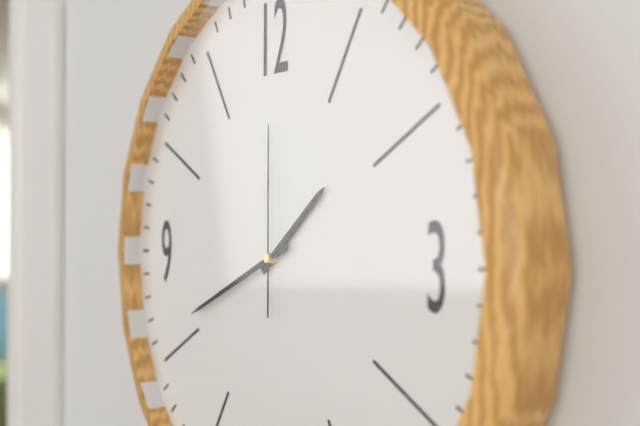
1,41,00
